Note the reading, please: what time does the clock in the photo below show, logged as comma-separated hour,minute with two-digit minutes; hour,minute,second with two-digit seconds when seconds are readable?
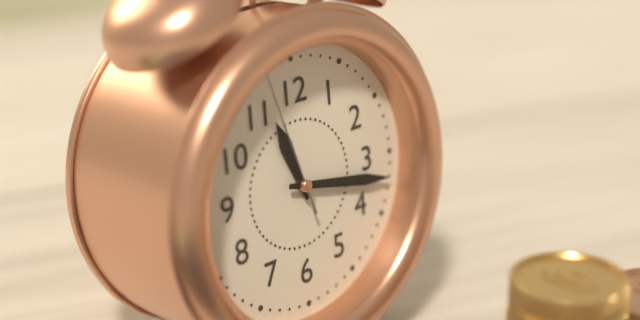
11,17,57
